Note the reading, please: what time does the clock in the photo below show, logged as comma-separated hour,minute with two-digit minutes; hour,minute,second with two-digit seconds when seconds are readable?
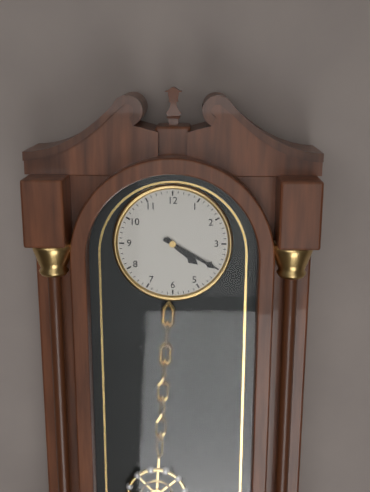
4,20
